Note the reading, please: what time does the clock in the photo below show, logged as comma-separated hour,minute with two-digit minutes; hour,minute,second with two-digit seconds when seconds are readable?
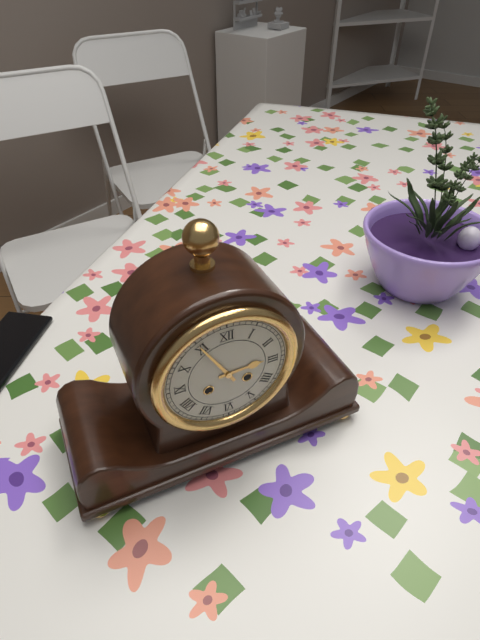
2,55
